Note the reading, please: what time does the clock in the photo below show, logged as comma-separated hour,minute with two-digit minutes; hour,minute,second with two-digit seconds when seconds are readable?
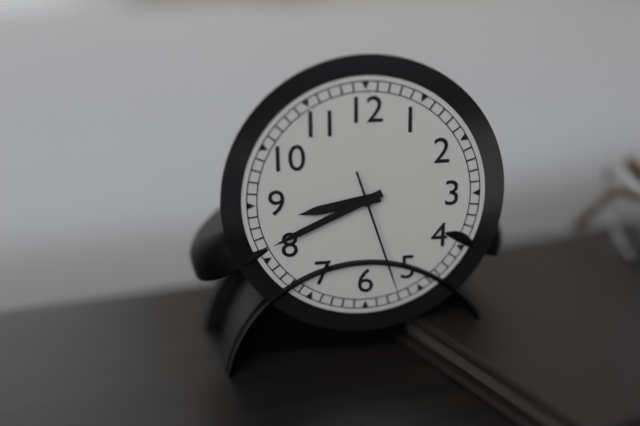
8,41,27
